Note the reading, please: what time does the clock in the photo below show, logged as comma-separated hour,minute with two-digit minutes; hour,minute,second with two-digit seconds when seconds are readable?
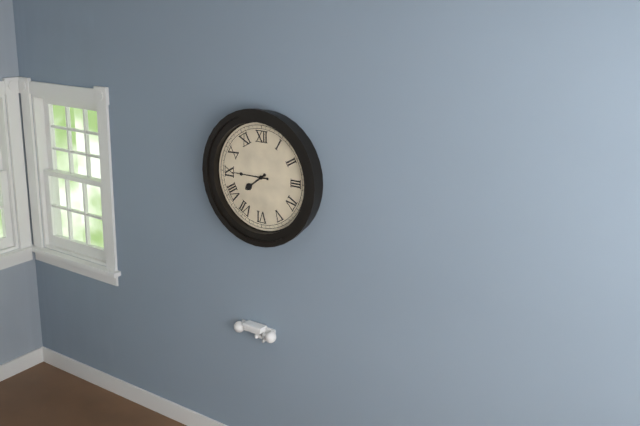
7,45
